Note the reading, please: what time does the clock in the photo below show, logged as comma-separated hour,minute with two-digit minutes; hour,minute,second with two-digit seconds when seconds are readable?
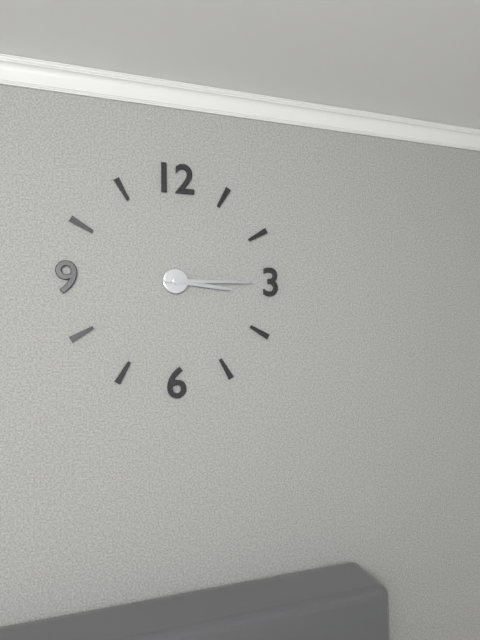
3,15
